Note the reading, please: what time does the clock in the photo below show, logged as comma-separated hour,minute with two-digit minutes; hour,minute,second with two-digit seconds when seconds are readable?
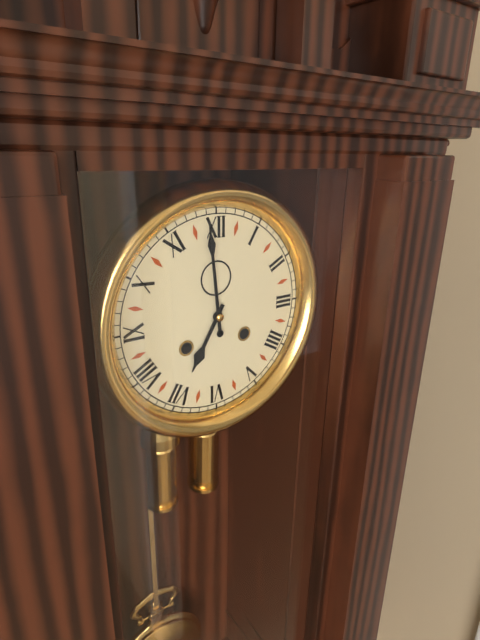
6,59
